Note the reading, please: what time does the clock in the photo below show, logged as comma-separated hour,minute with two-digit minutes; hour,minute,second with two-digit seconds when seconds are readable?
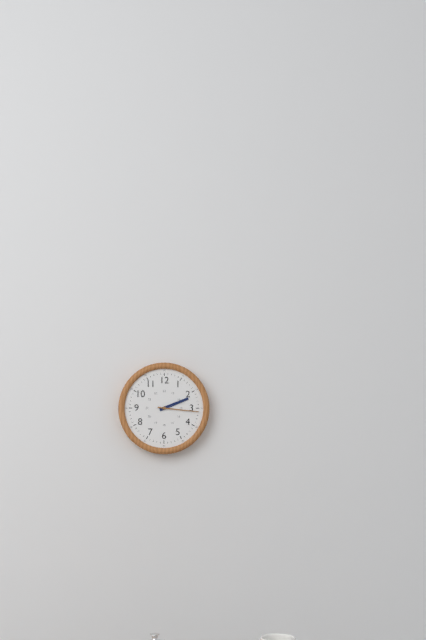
2,16
